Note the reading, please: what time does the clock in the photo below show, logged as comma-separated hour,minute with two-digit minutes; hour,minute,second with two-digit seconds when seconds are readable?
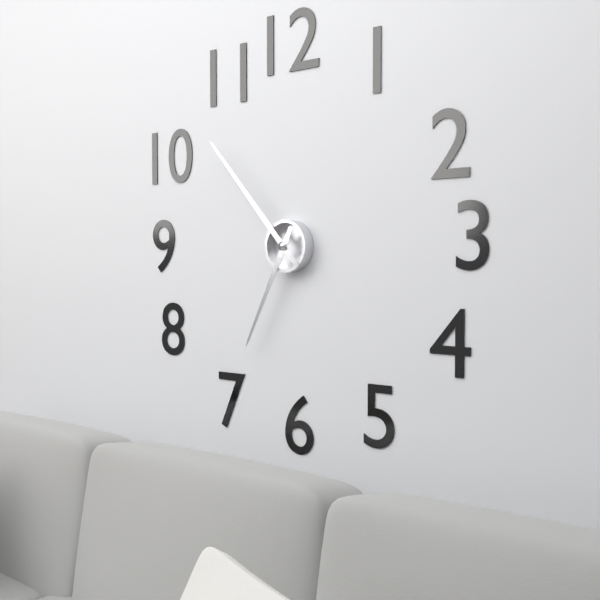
6,53
